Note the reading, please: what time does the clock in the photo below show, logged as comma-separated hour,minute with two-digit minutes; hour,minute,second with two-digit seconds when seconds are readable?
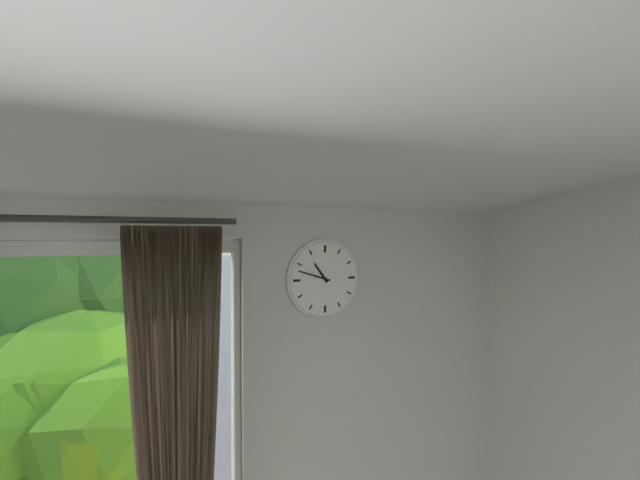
10,48
